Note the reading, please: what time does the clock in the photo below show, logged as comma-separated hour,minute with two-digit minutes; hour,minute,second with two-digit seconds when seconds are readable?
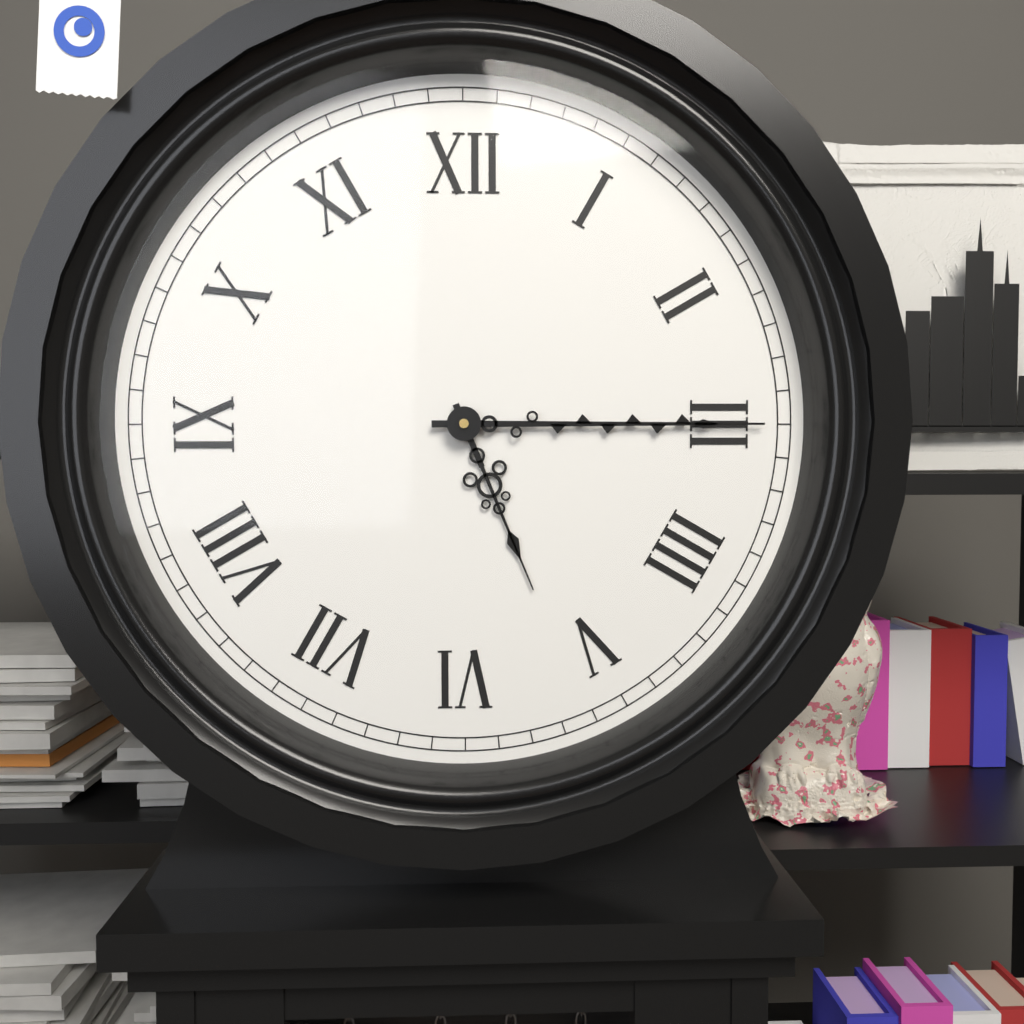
5,15
